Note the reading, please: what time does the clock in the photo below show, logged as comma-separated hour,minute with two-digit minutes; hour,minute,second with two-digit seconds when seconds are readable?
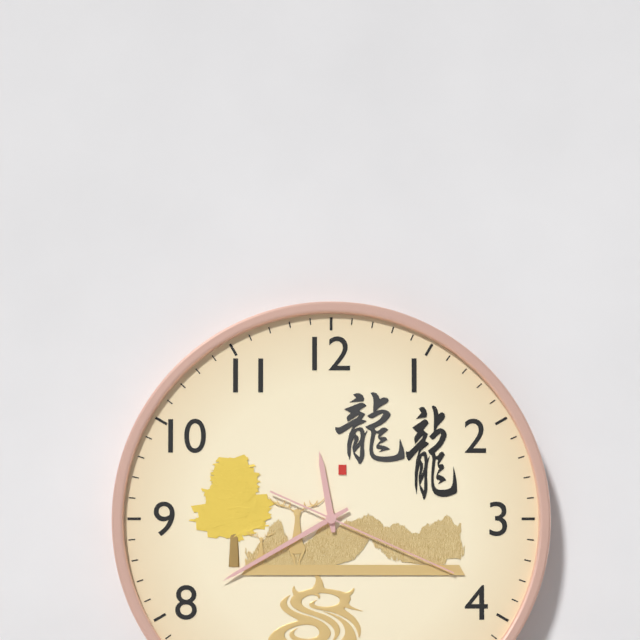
11,40,19
